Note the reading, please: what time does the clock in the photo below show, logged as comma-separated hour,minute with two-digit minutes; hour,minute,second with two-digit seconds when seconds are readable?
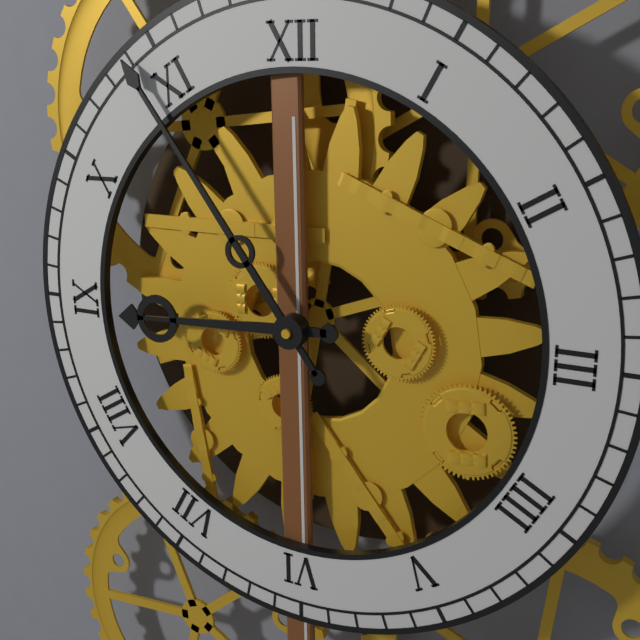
8,54
